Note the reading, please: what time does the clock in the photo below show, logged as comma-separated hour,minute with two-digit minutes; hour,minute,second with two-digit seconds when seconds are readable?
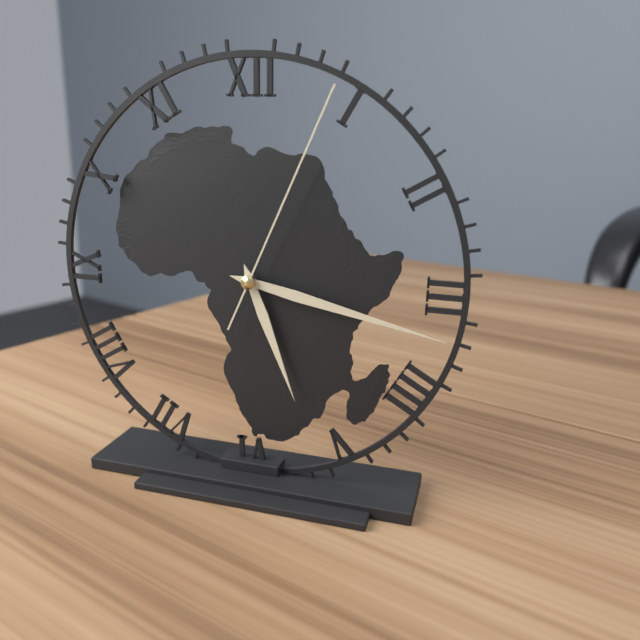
5,17,04
